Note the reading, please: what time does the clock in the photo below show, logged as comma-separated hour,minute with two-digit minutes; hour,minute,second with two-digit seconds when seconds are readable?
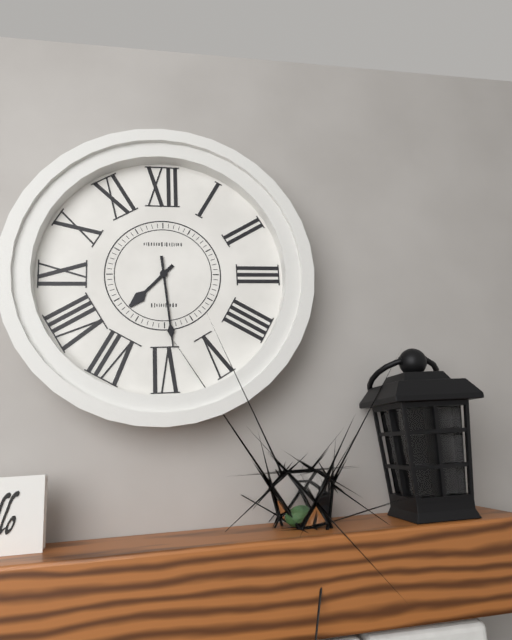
7,29
